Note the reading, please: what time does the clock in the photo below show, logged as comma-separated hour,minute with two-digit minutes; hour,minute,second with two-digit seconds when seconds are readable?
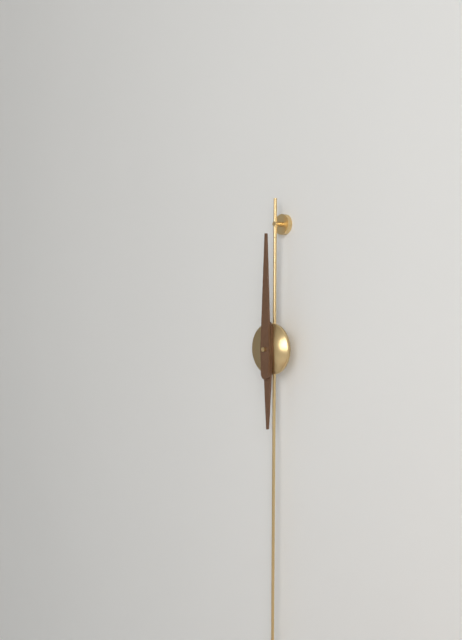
6,00
